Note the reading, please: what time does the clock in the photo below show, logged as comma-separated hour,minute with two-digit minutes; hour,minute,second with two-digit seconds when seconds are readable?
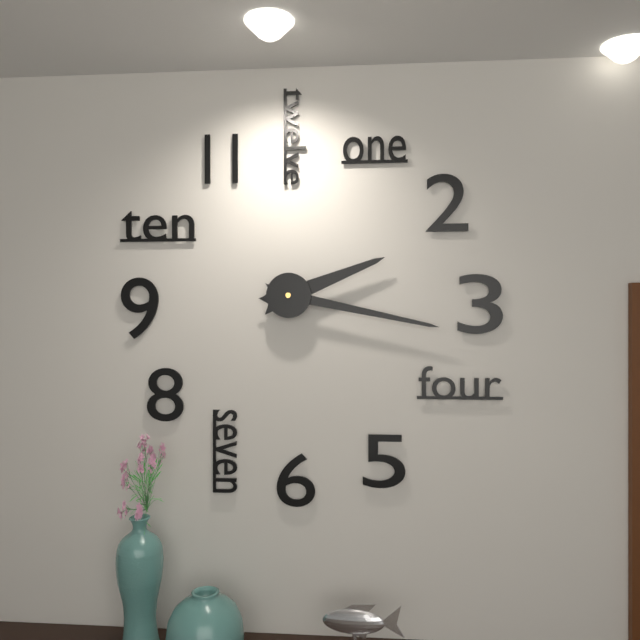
2,17
